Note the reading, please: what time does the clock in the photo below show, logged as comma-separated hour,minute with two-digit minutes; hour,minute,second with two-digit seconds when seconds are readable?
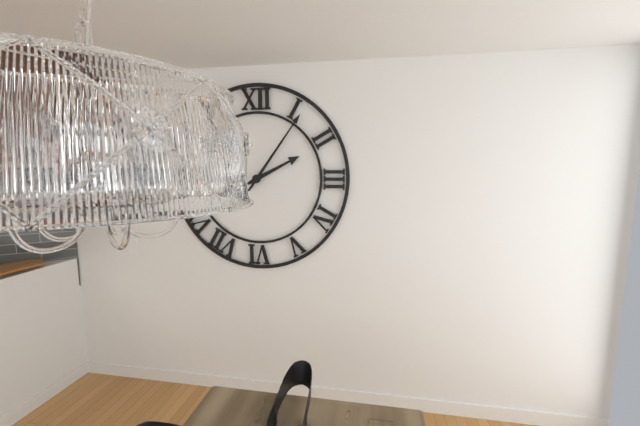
2,06
